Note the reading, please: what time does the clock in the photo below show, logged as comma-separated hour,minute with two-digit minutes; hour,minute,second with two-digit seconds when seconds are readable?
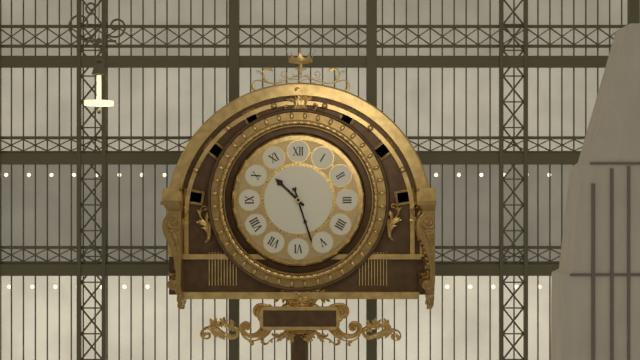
10,27
